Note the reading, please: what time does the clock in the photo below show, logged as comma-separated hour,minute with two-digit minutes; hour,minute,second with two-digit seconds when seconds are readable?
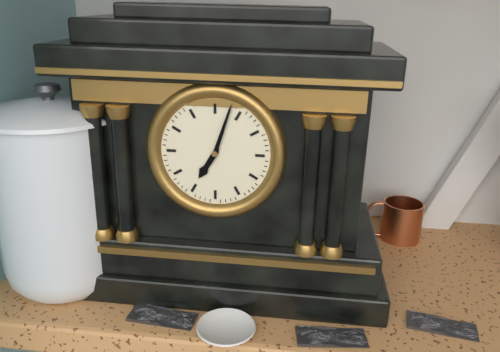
7,03
